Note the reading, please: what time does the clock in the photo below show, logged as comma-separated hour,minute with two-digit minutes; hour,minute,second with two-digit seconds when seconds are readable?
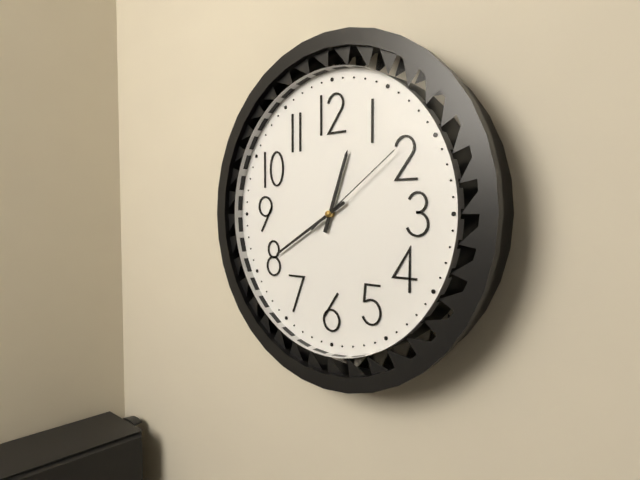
12,40,09
